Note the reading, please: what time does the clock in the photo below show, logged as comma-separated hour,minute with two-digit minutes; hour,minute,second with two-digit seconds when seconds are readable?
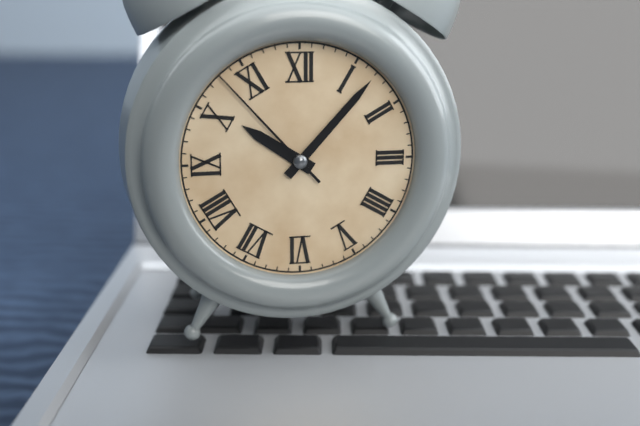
10,07,53
